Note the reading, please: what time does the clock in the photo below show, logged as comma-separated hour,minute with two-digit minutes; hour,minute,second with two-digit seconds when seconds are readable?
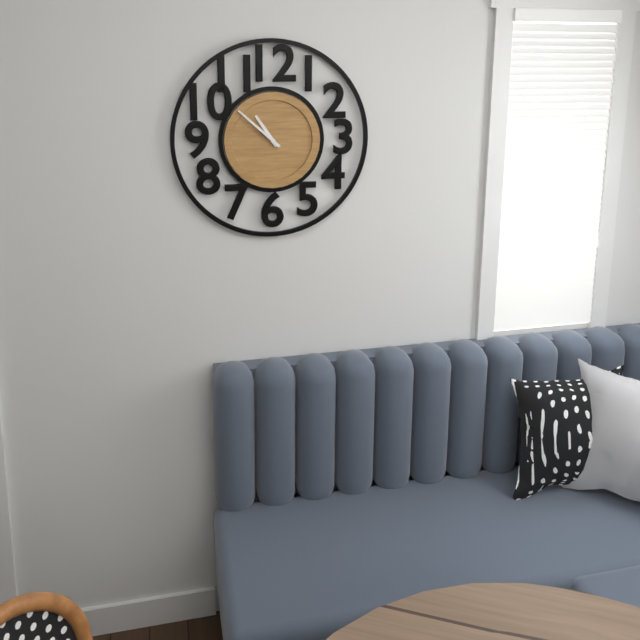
10,52
